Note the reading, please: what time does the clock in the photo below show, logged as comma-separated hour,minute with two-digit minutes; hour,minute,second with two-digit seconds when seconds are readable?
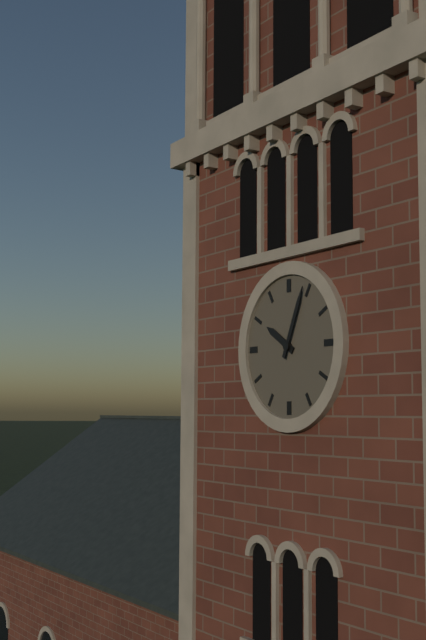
10,04
